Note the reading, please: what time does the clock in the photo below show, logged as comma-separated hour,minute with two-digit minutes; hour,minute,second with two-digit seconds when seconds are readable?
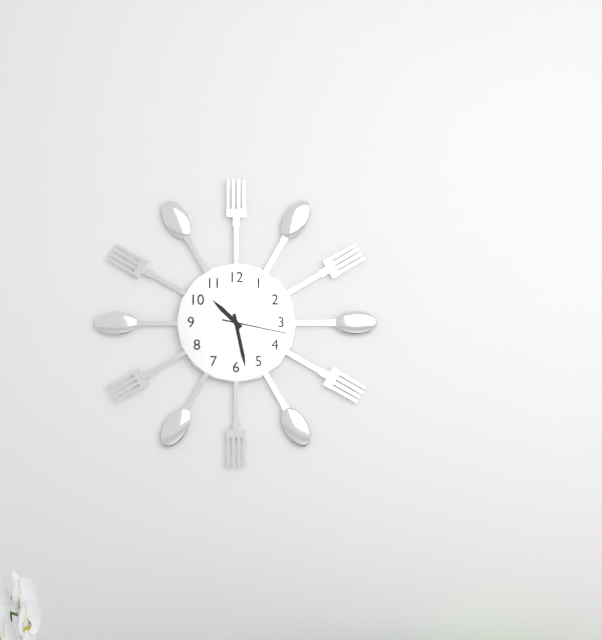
10,28,17
